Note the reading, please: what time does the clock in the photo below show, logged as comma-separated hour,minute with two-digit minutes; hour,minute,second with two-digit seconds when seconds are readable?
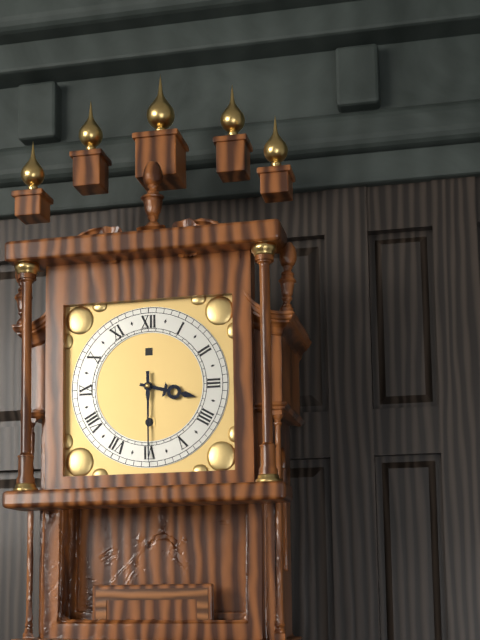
3,30
